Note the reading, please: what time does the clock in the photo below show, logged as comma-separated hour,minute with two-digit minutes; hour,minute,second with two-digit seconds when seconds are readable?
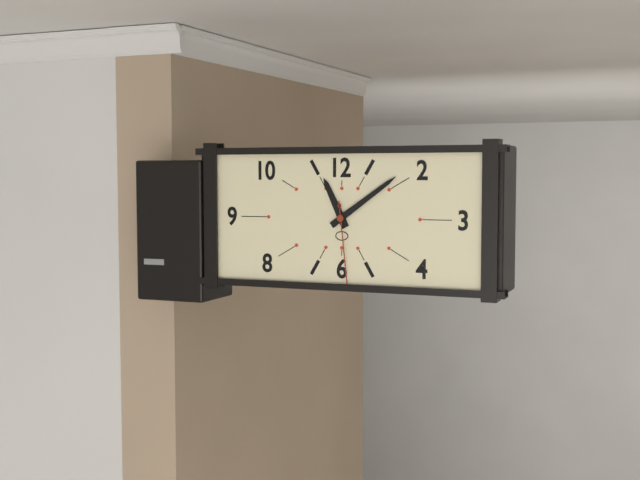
11,09,29
